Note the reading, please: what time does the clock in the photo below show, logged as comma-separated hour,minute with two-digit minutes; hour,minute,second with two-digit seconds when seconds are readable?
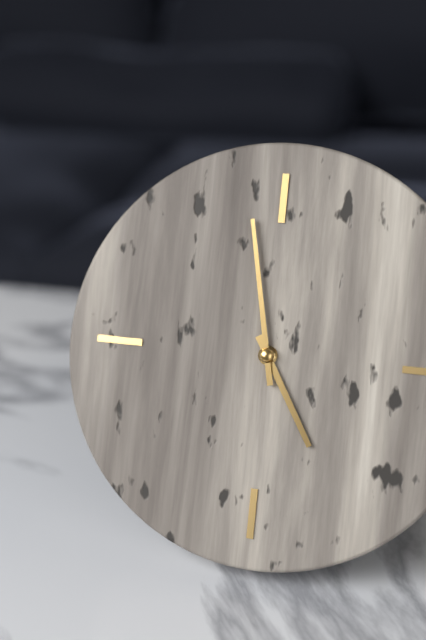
4,58
